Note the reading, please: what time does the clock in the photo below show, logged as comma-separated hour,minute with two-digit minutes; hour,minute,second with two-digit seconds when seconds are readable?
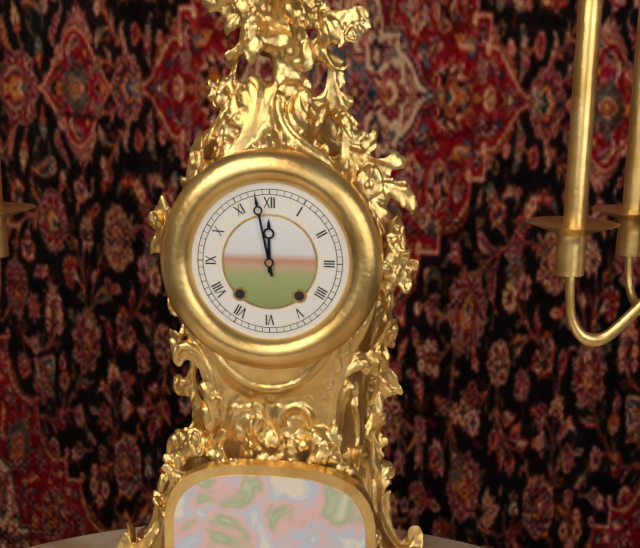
11,58
